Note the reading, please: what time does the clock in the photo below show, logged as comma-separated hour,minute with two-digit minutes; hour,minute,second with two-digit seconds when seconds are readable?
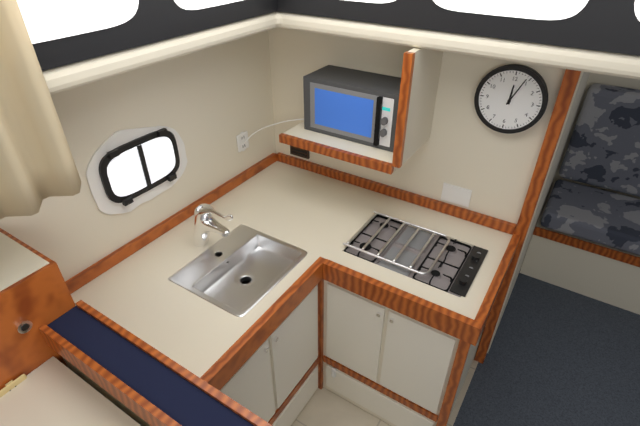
12,04
